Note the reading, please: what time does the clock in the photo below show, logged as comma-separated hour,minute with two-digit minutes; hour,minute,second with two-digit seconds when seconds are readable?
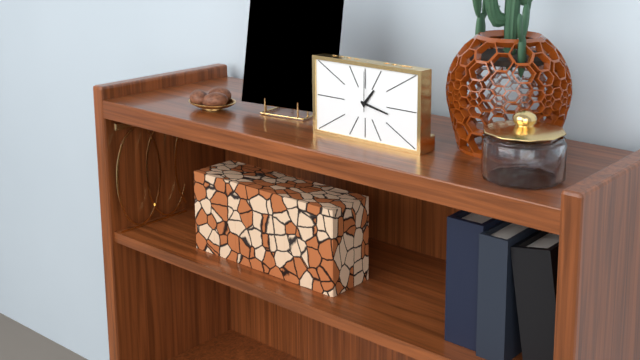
1,17
